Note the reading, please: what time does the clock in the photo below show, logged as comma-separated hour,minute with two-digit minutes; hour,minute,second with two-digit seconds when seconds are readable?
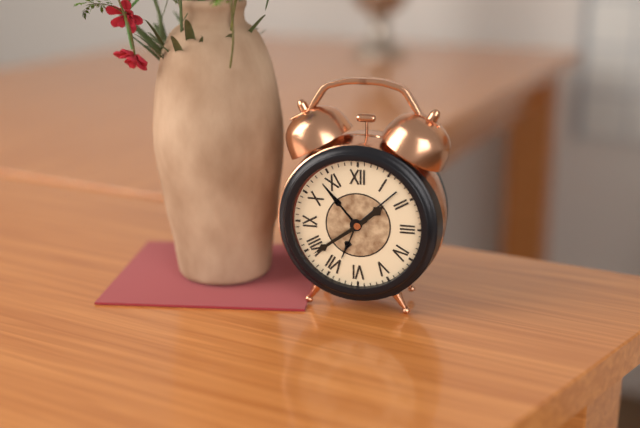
1,39
